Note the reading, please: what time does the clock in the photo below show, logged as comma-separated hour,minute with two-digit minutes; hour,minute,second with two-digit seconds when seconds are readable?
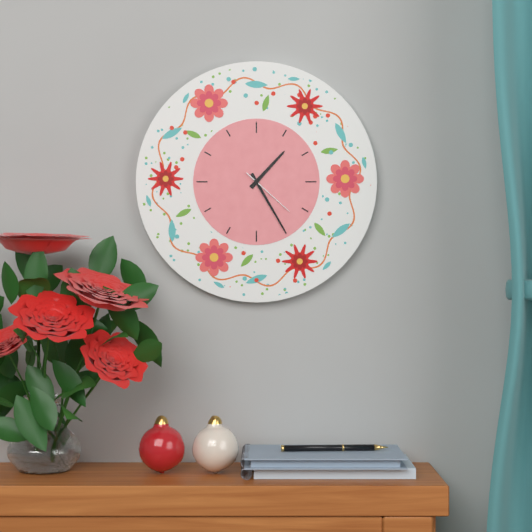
1,25,22
